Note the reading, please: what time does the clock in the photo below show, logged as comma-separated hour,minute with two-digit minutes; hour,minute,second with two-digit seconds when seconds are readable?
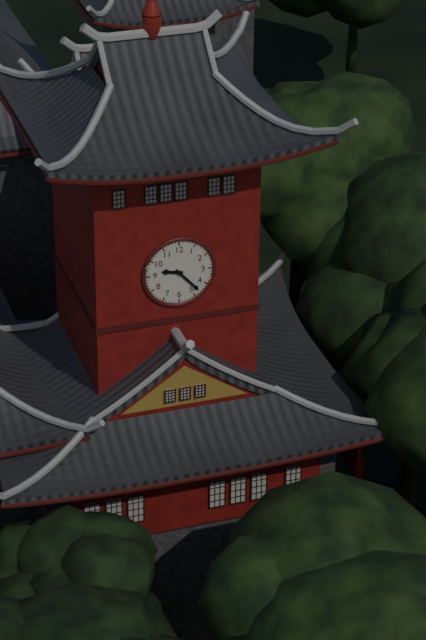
9,23
